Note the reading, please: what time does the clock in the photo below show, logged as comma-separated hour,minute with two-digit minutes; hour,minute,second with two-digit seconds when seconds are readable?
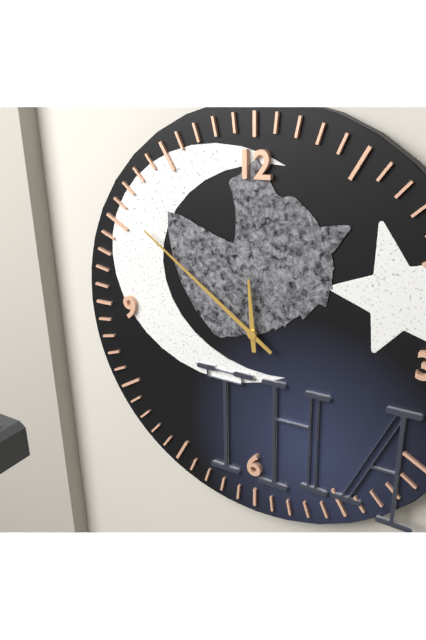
11,51
